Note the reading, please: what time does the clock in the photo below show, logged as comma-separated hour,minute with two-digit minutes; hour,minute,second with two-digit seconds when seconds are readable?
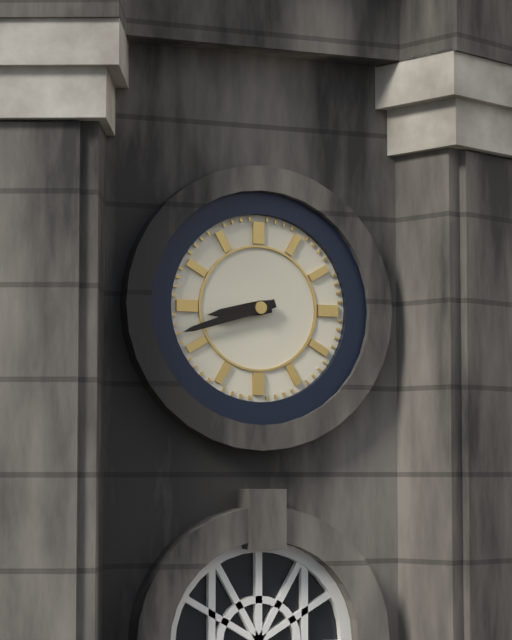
8,42
